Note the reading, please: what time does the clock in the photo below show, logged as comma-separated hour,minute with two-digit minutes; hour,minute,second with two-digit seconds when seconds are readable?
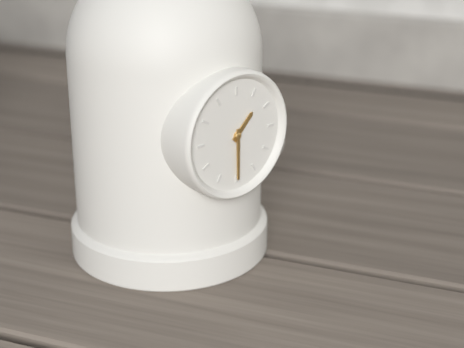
1,30
